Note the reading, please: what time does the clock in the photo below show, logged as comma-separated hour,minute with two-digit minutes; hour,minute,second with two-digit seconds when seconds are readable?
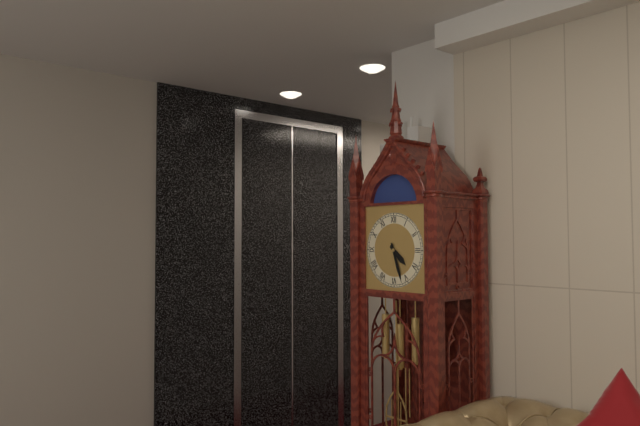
4,27
